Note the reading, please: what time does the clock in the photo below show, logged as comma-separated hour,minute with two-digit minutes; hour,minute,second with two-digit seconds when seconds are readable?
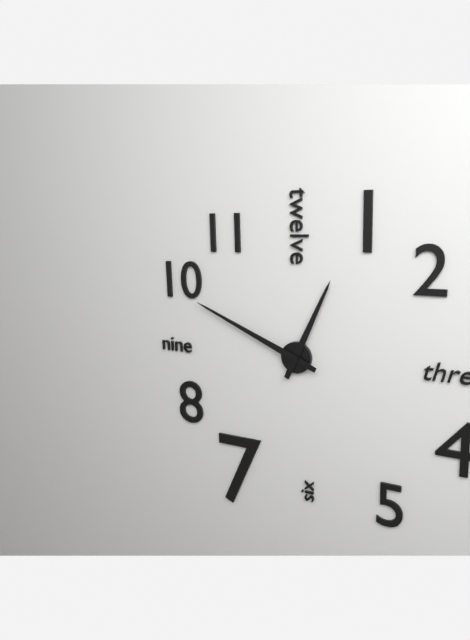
12,49
